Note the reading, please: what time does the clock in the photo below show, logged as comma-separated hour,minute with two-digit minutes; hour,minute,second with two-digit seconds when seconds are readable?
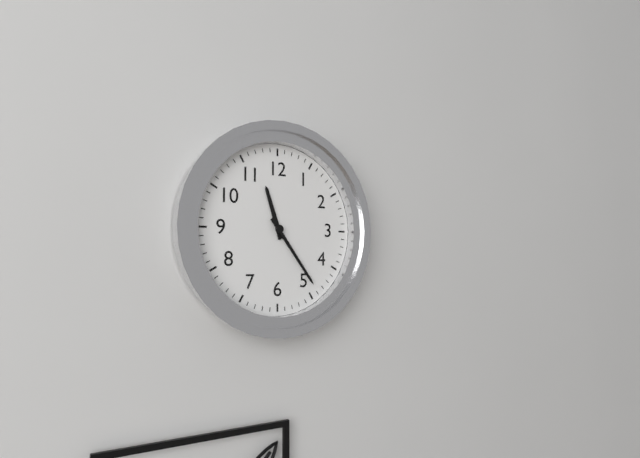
11,24
